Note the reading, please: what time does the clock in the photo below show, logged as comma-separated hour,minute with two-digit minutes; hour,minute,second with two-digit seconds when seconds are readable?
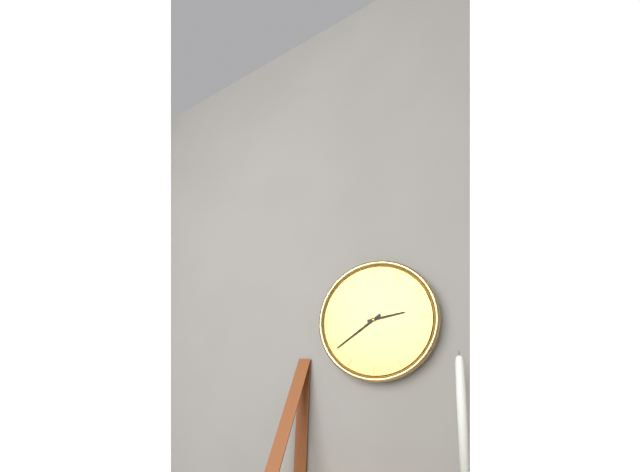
2,39
